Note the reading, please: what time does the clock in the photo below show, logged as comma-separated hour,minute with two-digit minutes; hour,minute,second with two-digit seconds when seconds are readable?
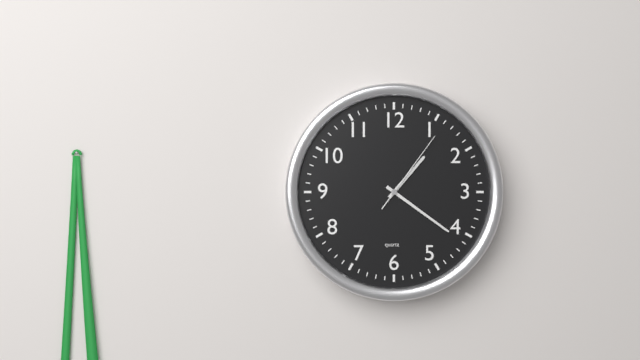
1,21,06
